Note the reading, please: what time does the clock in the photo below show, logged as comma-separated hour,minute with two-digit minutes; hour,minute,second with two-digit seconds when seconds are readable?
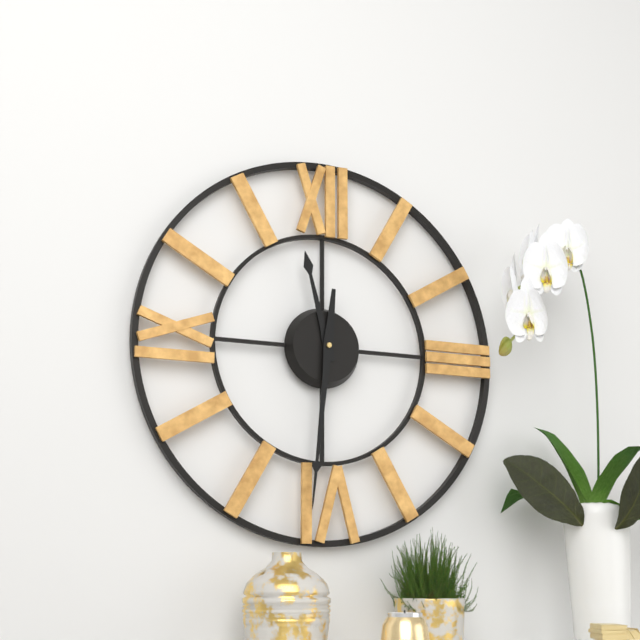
11,31
